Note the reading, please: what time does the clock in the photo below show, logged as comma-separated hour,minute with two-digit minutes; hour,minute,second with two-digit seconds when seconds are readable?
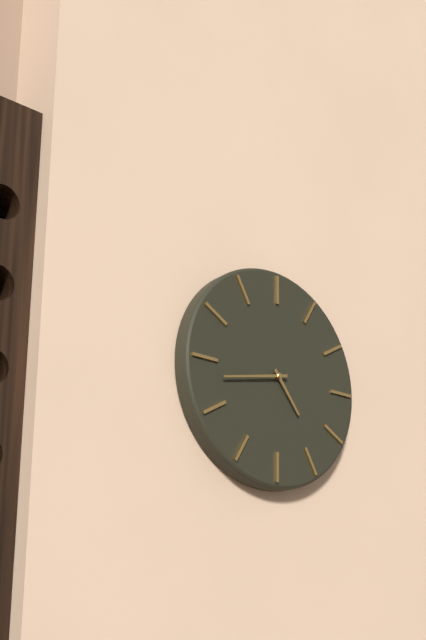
4,43
